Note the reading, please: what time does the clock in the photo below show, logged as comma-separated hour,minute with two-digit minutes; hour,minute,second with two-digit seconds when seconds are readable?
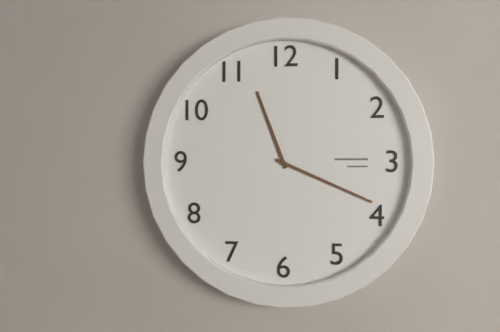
11,19
